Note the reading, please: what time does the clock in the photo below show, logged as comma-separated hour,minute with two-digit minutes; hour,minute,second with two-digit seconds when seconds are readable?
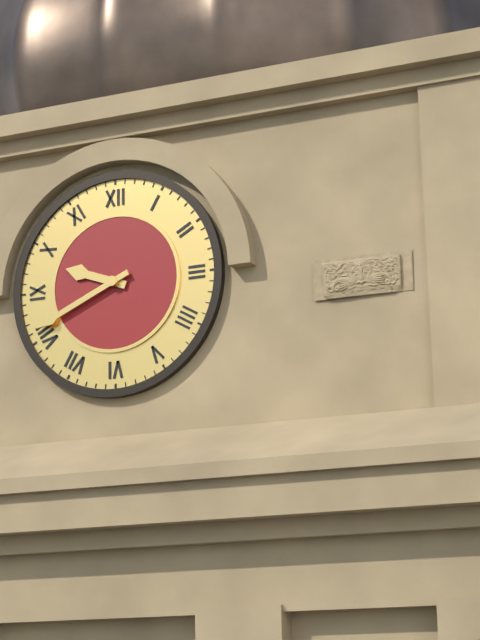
9,41
